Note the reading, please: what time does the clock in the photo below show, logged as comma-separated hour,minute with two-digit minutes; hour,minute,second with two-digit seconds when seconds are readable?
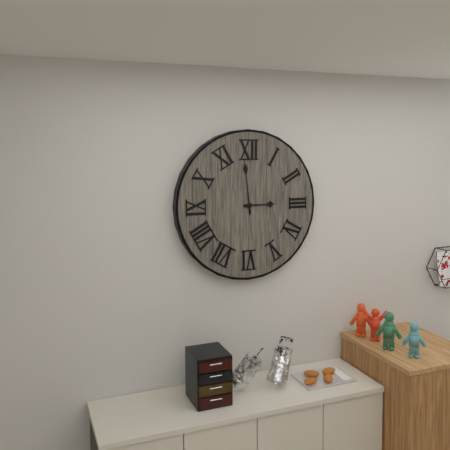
2,59
